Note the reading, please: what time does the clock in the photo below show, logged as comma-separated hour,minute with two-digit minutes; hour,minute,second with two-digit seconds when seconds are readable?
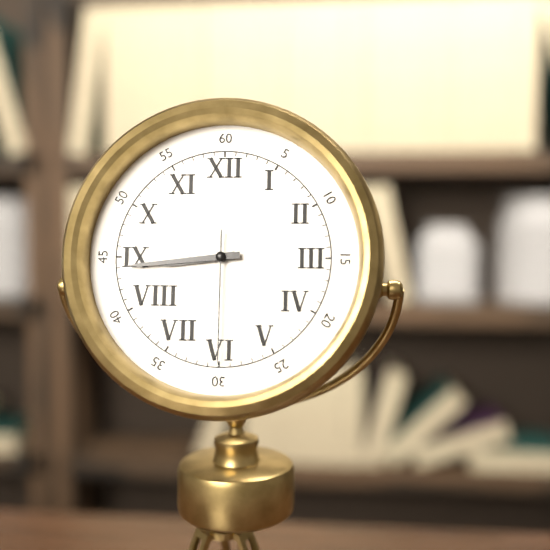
8,44,30
